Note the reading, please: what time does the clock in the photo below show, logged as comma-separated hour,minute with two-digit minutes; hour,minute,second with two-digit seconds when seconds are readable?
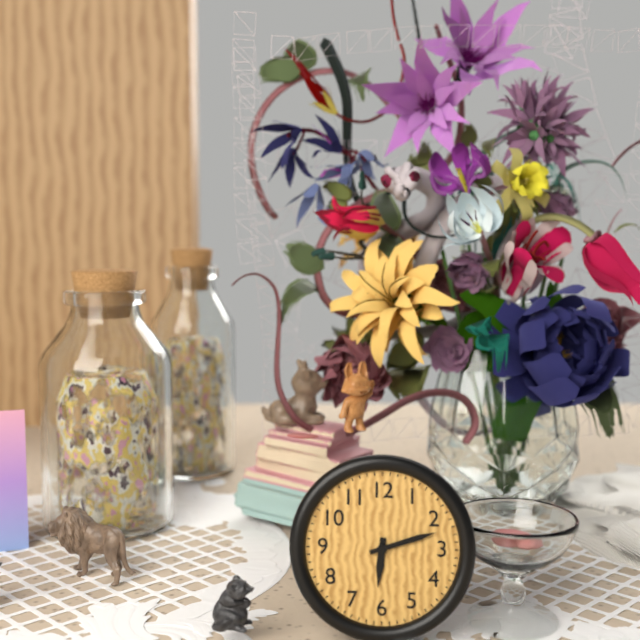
6,12
